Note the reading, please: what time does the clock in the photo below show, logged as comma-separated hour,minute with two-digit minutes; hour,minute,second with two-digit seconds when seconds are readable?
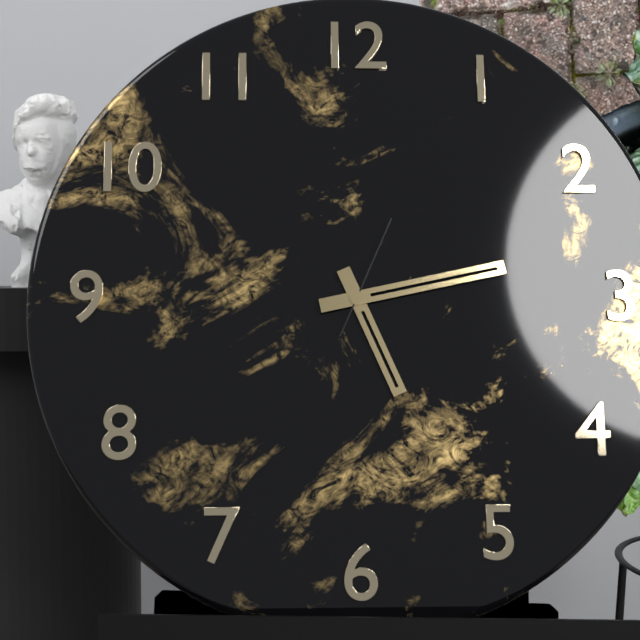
5,13,04
